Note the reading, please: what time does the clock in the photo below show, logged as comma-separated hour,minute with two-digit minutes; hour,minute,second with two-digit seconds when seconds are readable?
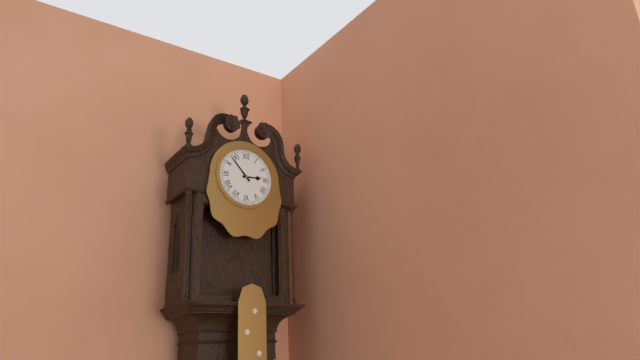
2,53
